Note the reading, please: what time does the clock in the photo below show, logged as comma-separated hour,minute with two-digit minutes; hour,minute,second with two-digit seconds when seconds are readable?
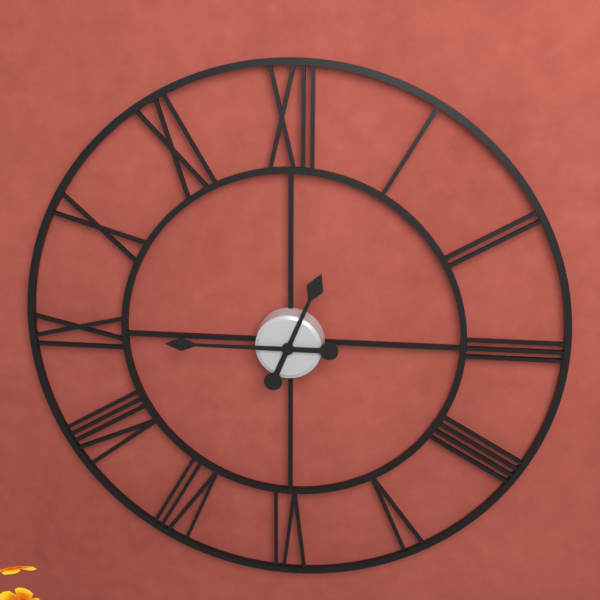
12,45
